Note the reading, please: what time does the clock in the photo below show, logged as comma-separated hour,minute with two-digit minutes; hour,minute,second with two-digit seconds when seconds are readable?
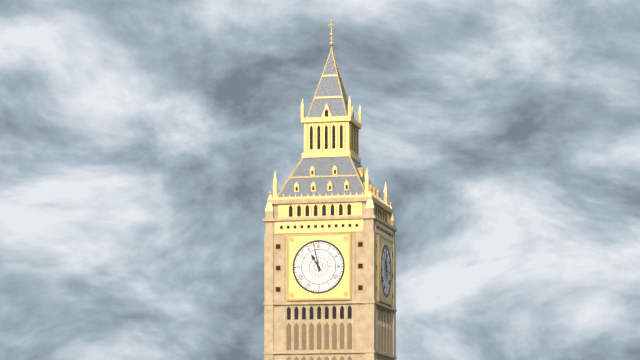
10,58
